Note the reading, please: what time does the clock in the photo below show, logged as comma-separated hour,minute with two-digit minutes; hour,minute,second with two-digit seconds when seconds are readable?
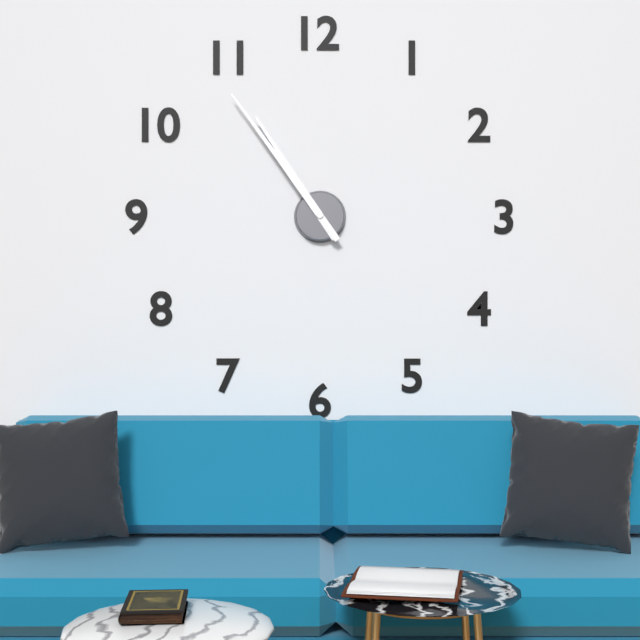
10,54
